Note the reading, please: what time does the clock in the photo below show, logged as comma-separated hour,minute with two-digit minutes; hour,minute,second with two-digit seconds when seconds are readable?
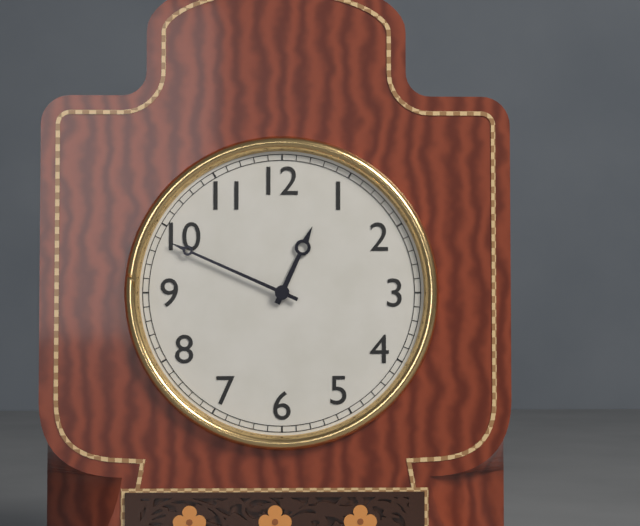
12,49
